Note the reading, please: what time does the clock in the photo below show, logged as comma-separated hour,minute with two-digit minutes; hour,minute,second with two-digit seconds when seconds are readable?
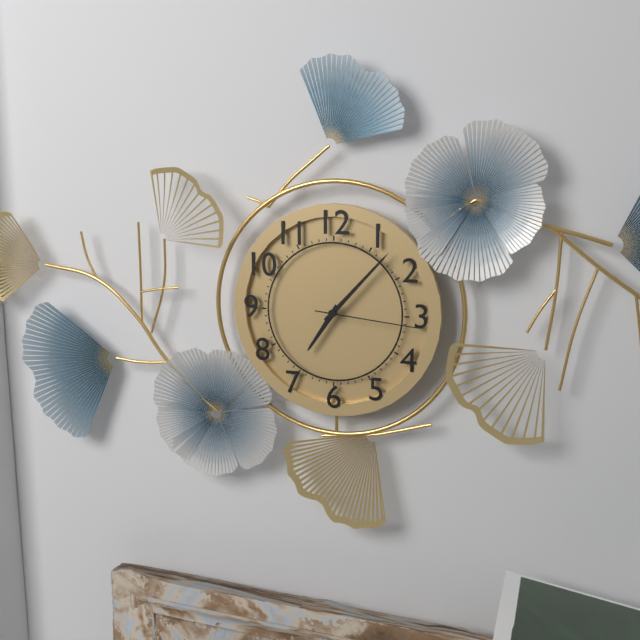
7,07,16
